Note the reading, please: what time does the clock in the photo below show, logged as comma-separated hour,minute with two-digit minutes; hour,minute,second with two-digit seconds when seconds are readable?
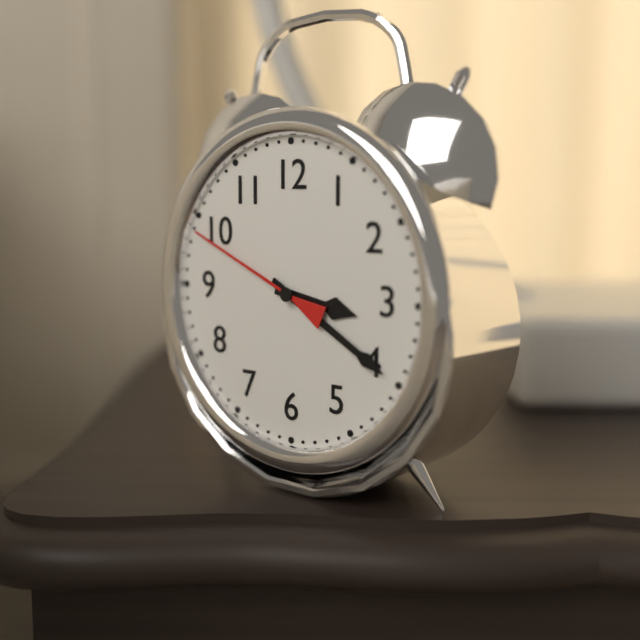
3,20,49
